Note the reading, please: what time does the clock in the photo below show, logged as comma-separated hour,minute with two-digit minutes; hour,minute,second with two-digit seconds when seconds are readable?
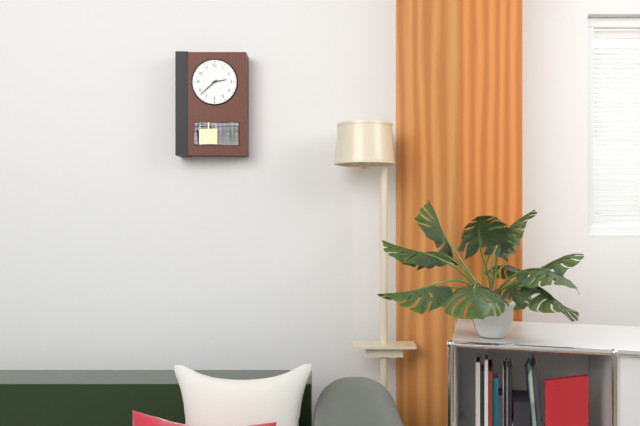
2,38
